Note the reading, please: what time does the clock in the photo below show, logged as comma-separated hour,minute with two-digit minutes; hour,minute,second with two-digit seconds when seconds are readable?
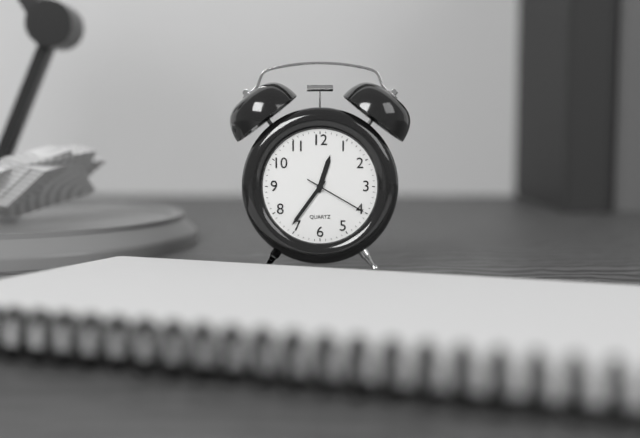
12,36,20
